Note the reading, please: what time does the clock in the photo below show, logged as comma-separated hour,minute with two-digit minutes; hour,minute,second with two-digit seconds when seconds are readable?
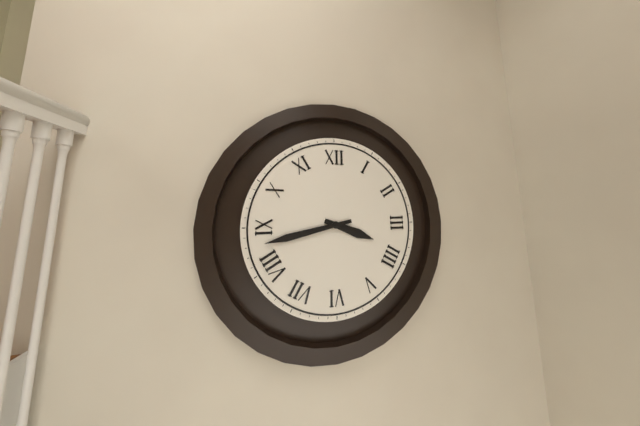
3,43
